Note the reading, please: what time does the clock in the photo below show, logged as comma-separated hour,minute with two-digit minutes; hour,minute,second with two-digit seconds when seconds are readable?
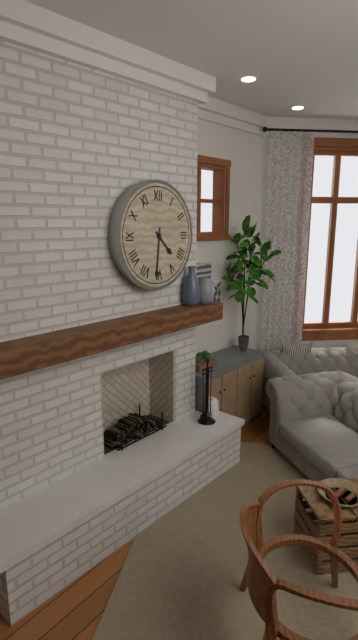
4,31
